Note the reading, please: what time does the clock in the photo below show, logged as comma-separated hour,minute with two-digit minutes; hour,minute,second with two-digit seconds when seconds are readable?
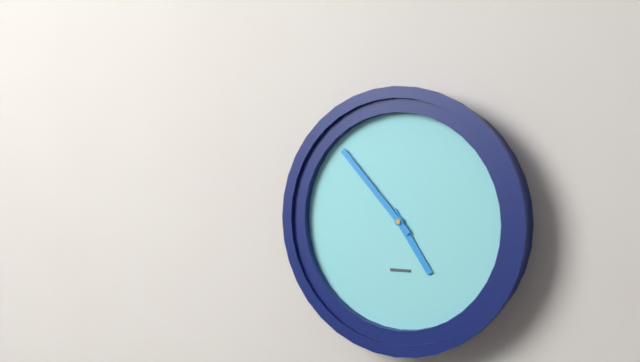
4,53
